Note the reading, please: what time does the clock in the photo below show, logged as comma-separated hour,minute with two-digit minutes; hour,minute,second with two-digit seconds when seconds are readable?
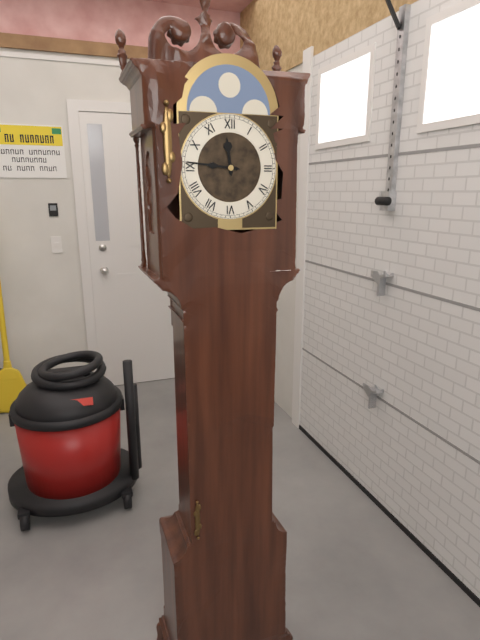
11,46
